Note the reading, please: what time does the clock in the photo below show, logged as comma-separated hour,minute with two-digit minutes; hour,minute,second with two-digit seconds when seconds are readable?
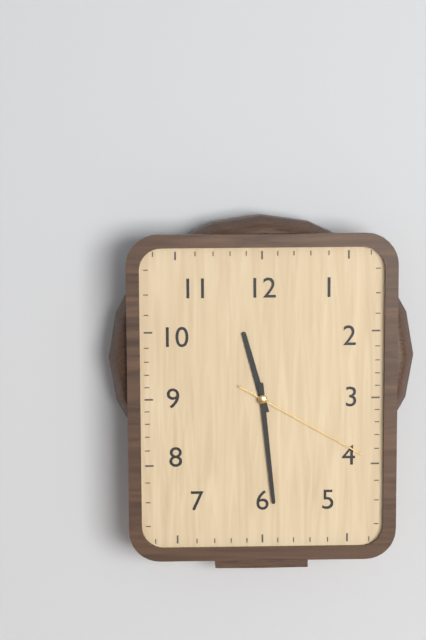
11,29,20
